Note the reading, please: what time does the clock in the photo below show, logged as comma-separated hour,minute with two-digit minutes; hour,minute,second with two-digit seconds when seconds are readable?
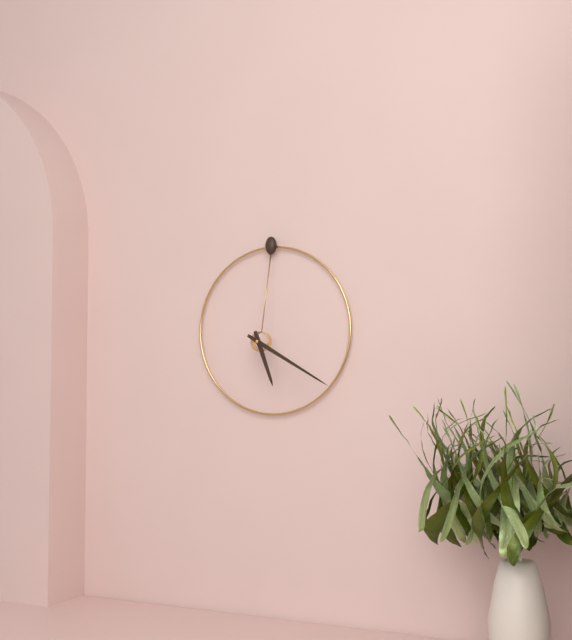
5,20
